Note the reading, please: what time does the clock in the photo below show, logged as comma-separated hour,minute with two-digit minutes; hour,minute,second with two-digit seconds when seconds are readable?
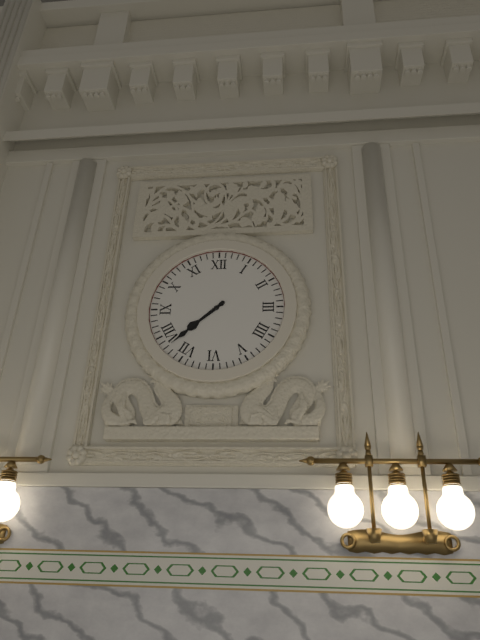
7,38
